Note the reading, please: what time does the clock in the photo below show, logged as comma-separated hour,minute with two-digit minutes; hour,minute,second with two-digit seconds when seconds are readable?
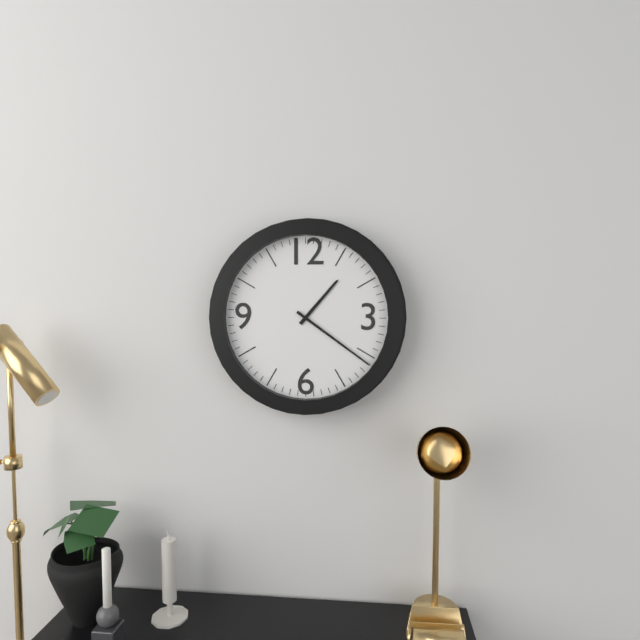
1,21
